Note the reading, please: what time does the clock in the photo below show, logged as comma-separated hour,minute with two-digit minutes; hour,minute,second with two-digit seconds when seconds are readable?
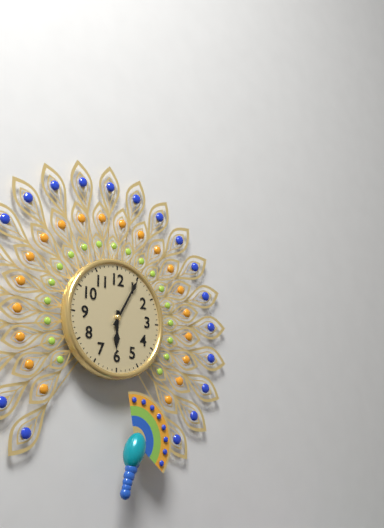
6,05
